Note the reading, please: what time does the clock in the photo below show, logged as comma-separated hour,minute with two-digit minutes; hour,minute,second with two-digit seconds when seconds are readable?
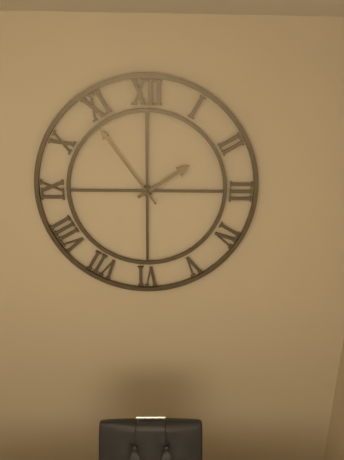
1,54
